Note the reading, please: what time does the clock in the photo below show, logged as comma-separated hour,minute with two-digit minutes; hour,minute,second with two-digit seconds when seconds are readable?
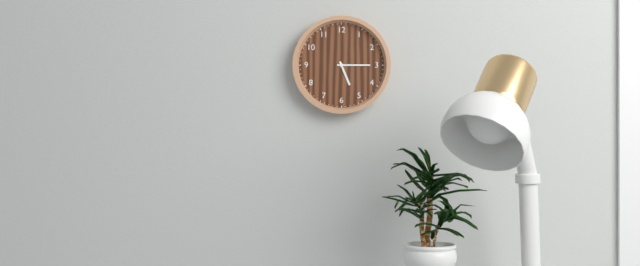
5,15
